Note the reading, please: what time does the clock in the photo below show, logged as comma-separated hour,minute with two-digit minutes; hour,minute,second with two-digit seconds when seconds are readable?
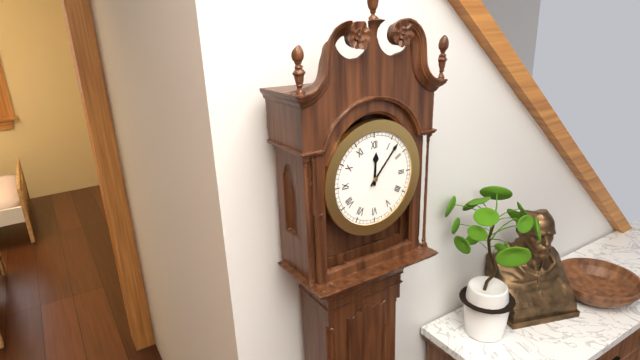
12,07
